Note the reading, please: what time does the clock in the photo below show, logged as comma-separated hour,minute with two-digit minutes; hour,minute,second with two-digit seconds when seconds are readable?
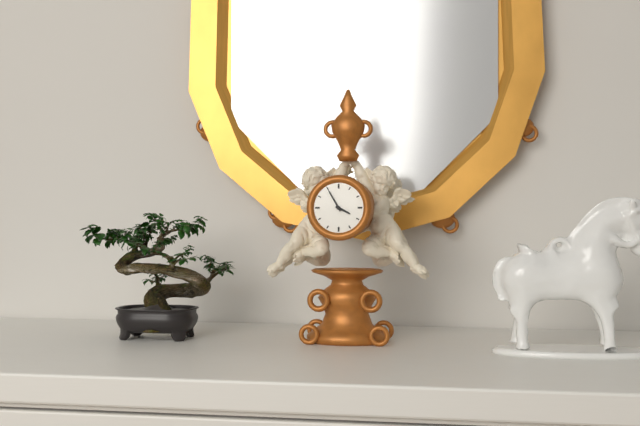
3,55
